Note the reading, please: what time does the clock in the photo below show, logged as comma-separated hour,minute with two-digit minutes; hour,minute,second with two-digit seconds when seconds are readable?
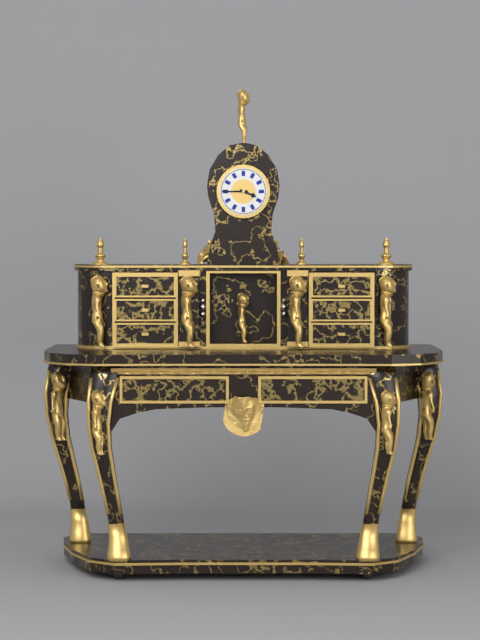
3,45
